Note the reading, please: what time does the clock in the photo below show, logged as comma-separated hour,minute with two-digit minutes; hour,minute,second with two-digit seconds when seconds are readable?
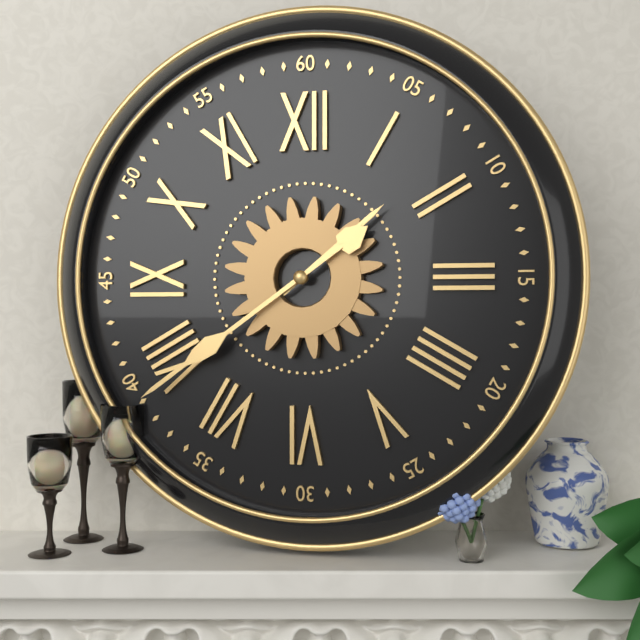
1,39
